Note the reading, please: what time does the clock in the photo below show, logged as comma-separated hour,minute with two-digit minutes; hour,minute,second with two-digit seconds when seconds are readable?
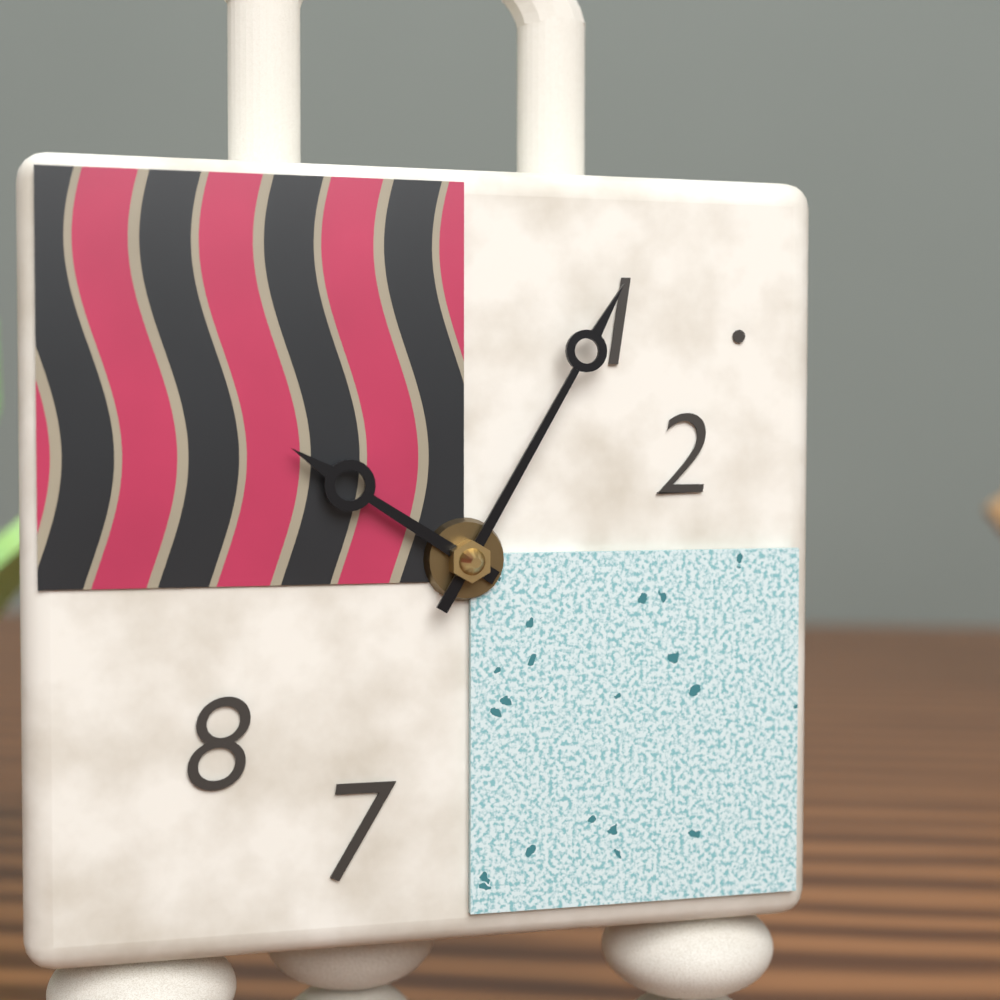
10,05
